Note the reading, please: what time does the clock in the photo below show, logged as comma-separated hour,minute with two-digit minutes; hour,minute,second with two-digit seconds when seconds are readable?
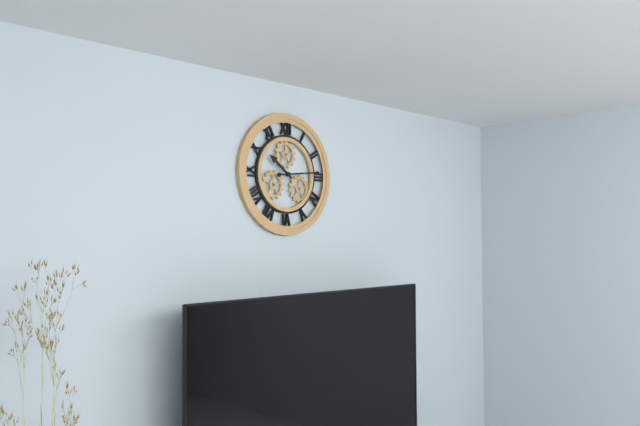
10,14
